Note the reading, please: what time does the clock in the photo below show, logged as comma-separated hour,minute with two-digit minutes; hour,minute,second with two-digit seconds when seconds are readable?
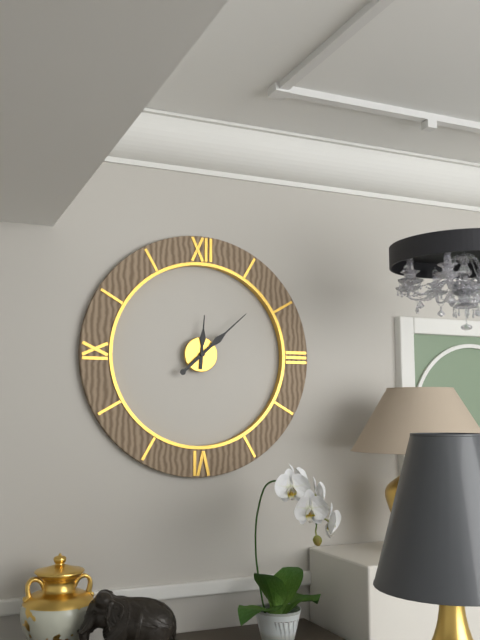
12,08
